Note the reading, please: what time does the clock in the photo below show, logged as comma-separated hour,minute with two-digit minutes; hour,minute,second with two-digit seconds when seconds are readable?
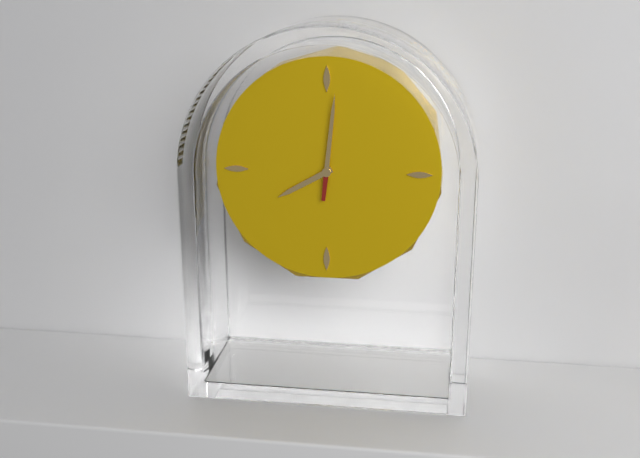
8,01
